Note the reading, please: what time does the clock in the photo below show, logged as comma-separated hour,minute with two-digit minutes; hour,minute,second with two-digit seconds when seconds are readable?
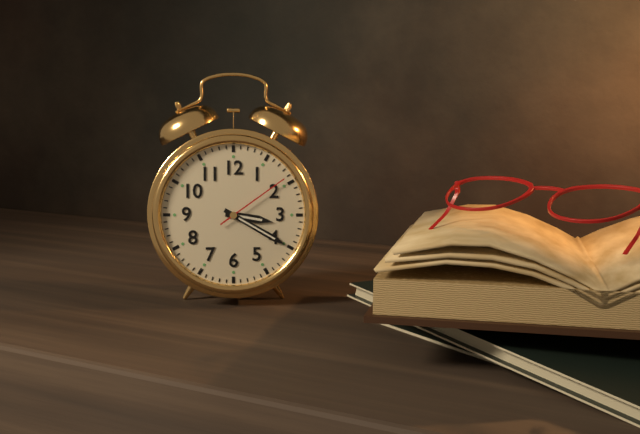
3,20,09
